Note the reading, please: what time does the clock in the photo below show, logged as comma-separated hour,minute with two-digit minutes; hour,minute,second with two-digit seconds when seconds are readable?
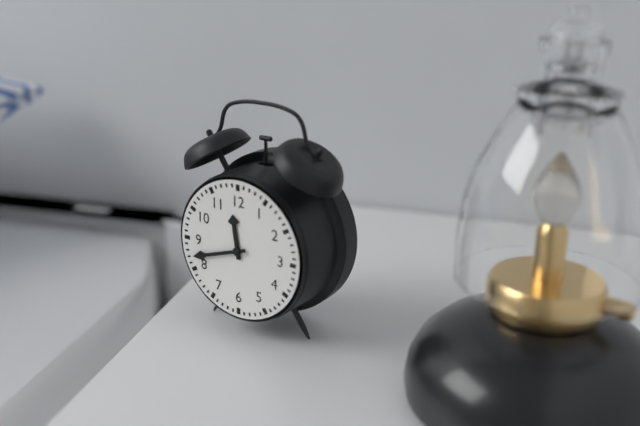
11,42
